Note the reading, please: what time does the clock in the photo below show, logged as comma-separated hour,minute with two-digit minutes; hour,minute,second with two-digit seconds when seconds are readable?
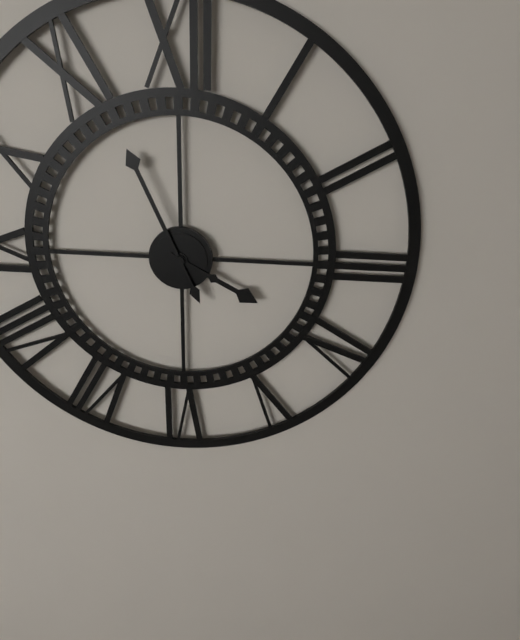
3,56
